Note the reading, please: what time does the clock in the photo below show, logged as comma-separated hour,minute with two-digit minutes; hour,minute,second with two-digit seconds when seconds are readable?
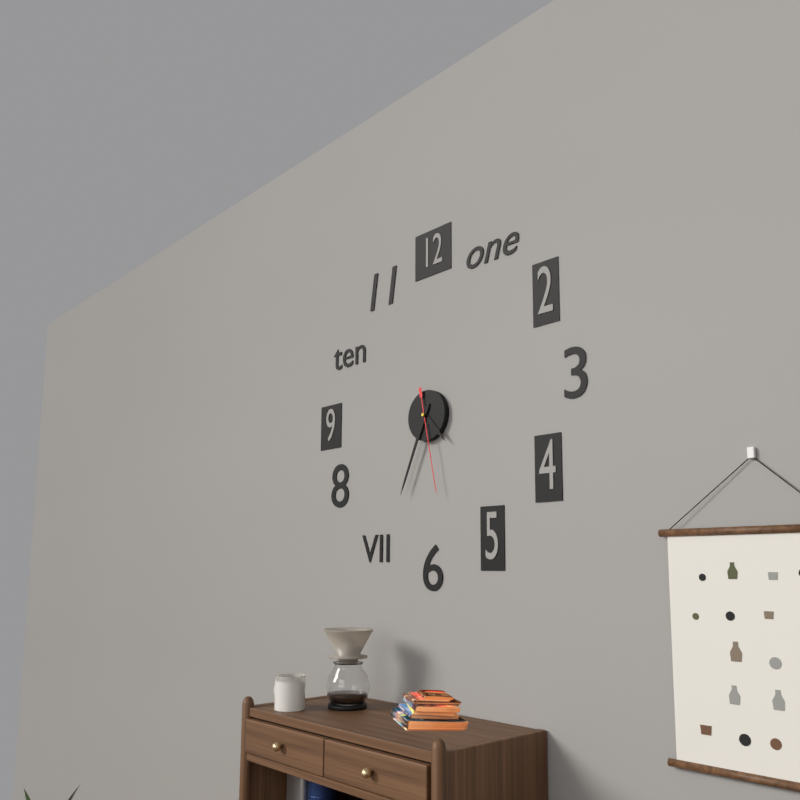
4,34,28
